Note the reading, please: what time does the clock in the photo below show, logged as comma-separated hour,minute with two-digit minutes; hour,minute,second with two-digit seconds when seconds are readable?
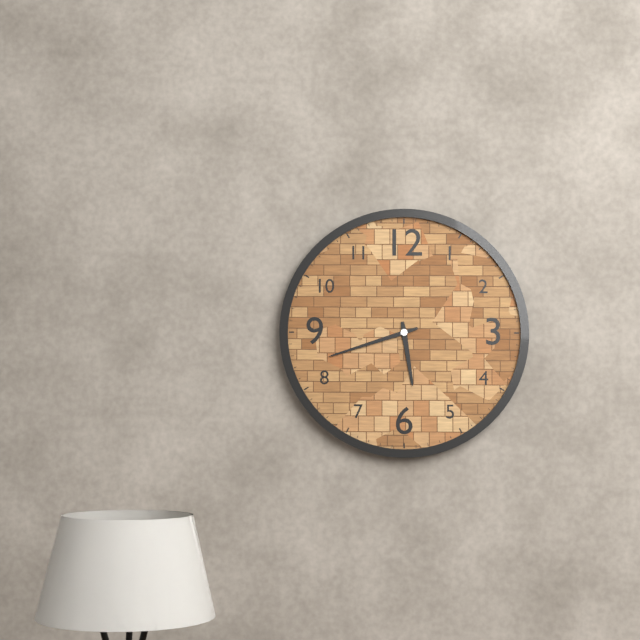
5,42
